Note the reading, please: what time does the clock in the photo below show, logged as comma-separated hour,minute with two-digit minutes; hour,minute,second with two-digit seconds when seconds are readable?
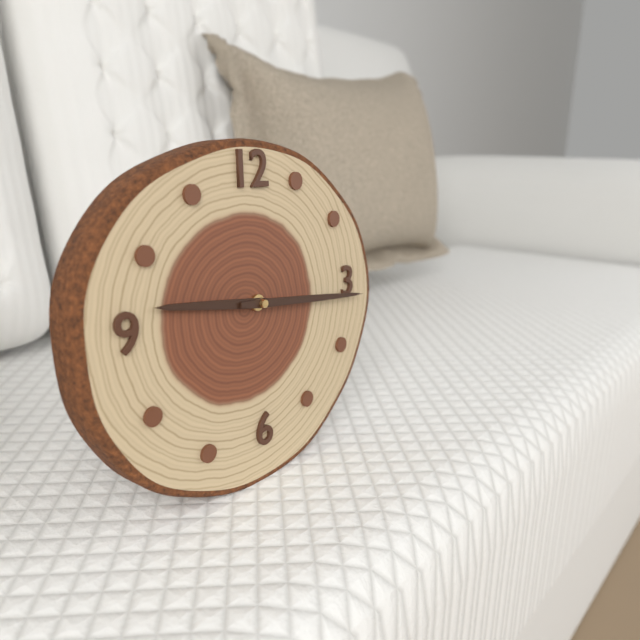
9,16
